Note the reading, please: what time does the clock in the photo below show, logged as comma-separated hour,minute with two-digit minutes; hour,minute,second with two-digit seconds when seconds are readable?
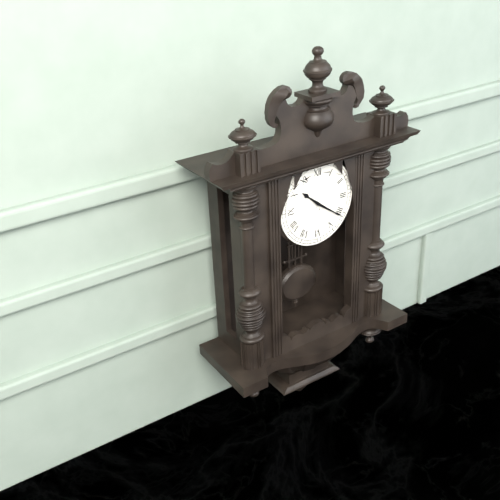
10,21
